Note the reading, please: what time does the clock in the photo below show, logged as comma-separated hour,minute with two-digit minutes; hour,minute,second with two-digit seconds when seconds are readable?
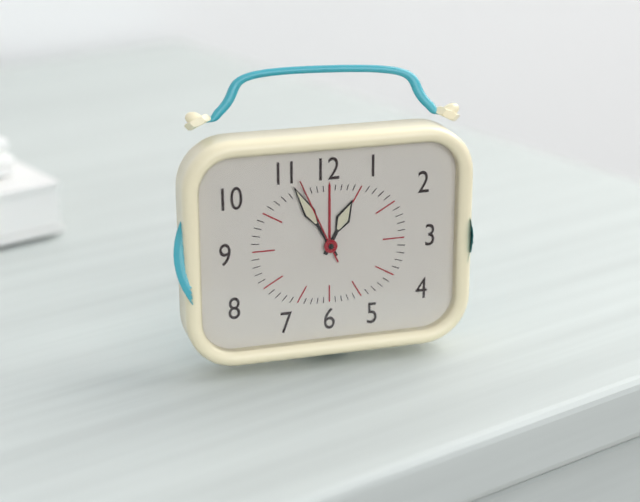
12,55,56
